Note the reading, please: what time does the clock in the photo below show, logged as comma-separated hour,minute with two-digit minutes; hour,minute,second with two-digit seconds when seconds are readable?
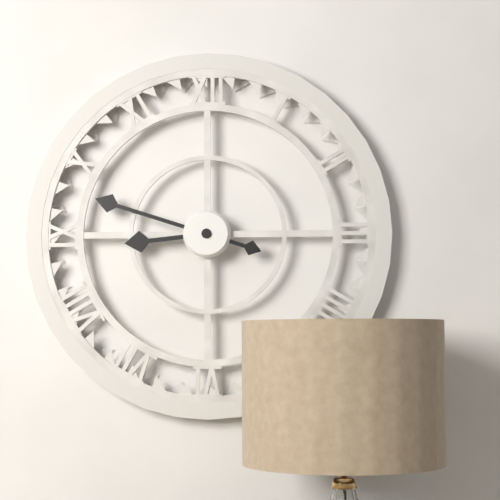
8,48
